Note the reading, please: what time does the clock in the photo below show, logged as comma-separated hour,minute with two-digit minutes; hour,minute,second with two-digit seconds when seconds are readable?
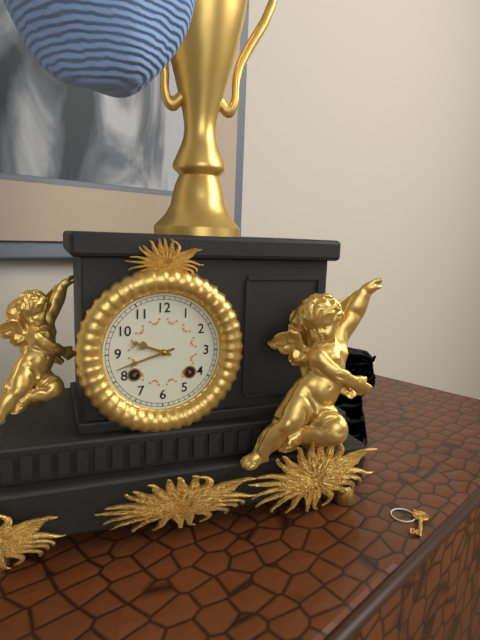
9,42
